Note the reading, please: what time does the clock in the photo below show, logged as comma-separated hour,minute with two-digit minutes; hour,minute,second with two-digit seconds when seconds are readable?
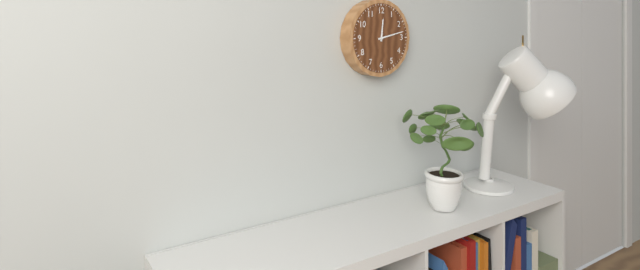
12,13
